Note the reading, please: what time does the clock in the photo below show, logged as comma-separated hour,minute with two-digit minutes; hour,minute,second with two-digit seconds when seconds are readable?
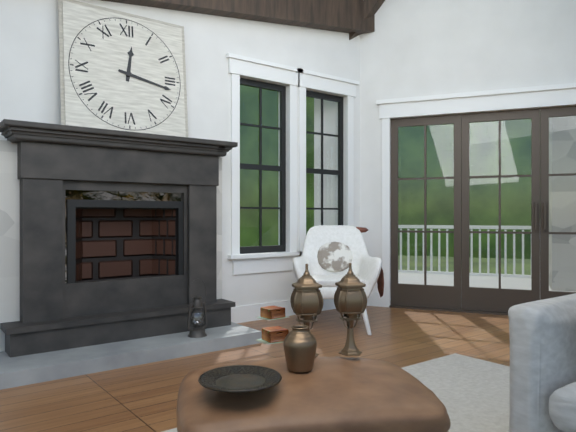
12,17
